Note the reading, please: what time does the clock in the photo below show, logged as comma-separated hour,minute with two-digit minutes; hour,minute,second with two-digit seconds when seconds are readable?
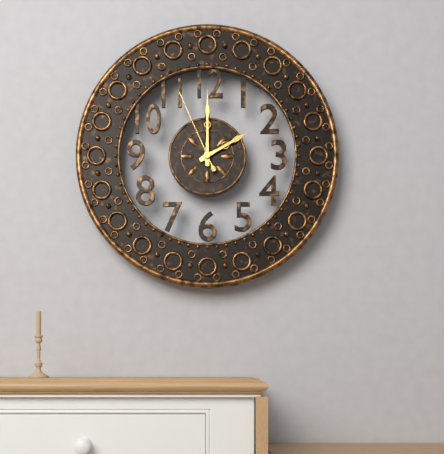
2,00,56
